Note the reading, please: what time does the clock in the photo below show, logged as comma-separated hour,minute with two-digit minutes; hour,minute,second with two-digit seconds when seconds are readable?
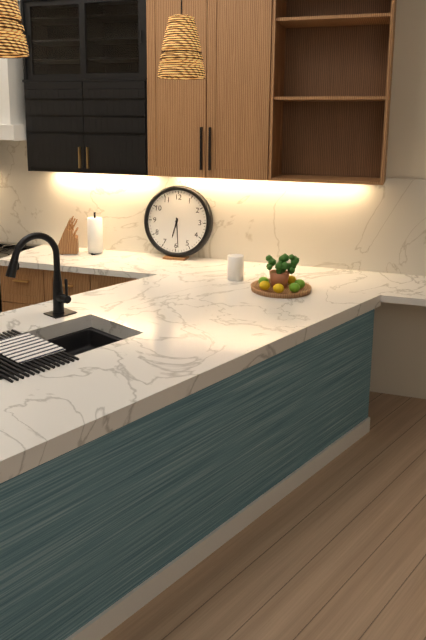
6,29
